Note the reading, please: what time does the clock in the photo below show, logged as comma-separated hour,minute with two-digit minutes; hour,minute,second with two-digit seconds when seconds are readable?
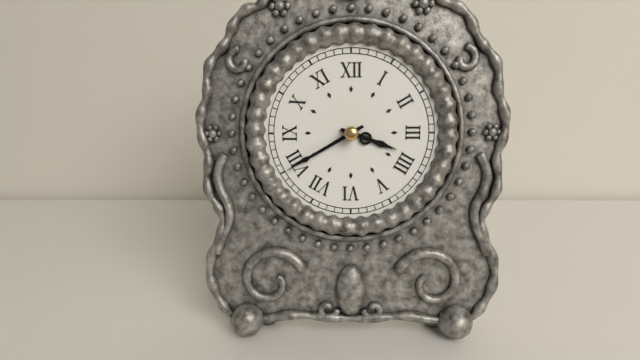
3,40
